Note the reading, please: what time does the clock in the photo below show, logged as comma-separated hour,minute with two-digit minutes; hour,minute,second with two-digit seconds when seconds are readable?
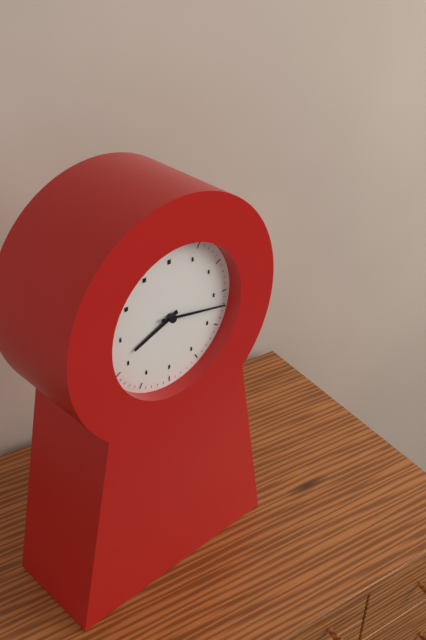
8,17
